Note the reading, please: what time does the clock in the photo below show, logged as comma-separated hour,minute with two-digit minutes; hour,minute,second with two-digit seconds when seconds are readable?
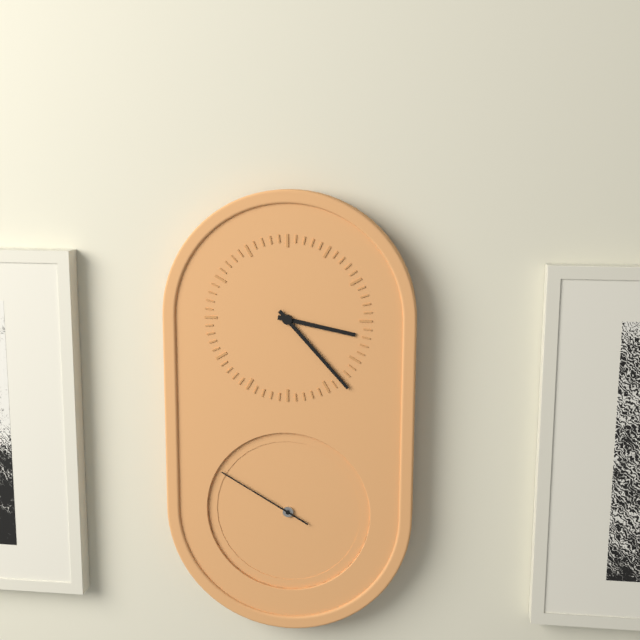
3,23,50
